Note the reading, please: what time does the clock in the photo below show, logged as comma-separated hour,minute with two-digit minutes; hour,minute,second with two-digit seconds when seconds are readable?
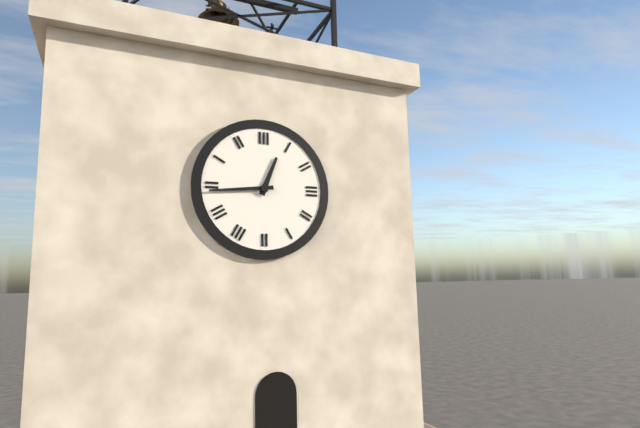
12,44
